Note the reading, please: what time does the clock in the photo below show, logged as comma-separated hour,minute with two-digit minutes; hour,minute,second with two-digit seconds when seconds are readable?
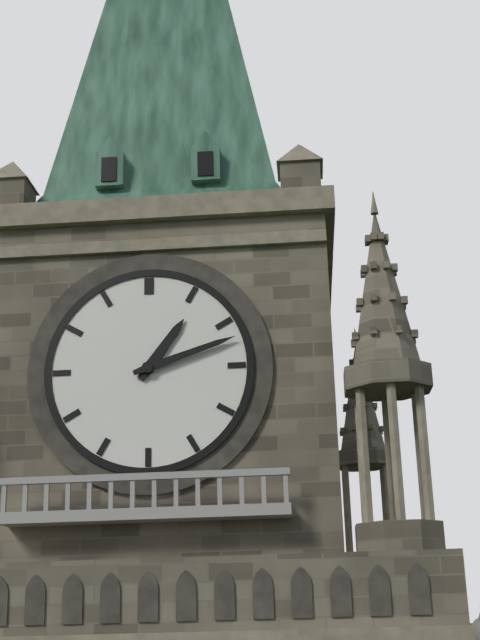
1,12
